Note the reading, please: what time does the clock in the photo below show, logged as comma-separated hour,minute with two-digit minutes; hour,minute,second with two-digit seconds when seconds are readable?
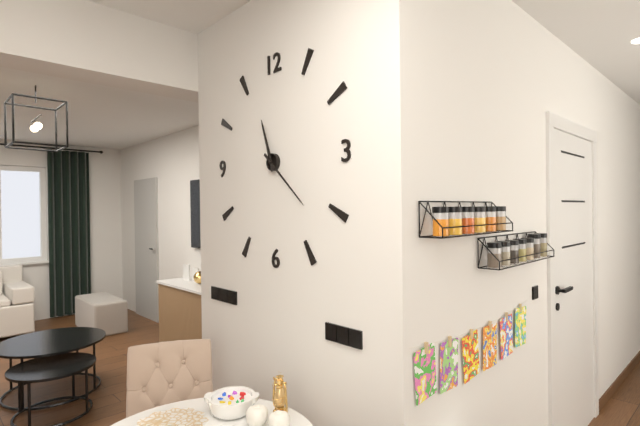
11,22
